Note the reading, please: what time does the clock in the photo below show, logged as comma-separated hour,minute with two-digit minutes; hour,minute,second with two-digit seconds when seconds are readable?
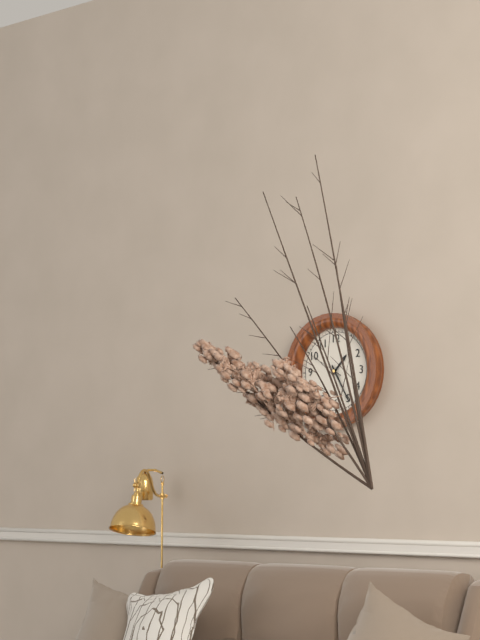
1,25
